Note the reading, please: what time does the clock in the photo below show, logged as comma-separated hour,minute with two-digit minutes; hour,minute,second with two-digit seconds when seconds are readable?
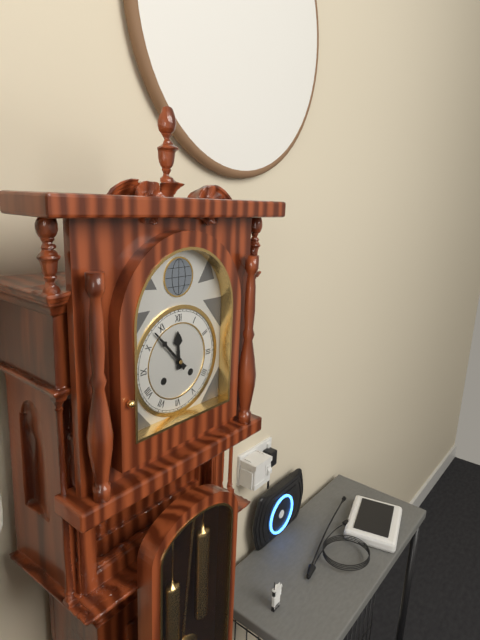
11,53
